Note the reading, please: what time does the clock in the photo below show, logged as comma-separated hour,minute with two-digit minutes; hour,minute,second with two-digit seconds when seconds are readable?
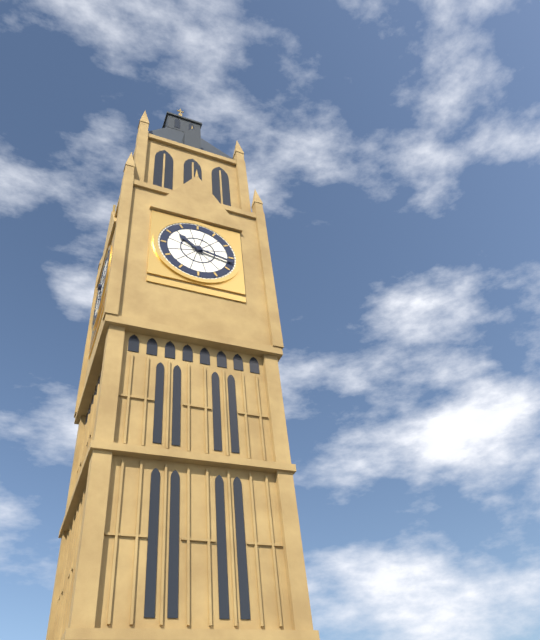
10,17
